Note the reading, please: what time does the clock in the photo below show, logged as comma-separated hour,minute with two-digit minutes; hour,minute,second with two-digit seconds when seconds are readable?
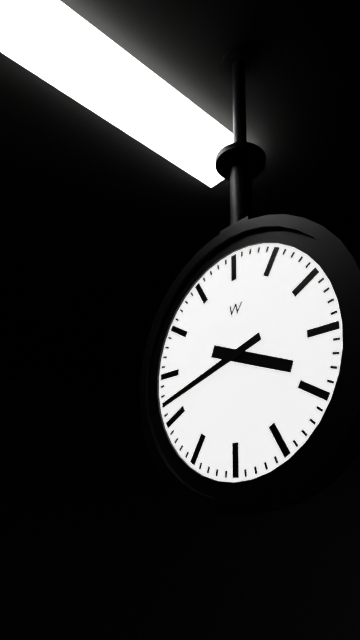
3,42
